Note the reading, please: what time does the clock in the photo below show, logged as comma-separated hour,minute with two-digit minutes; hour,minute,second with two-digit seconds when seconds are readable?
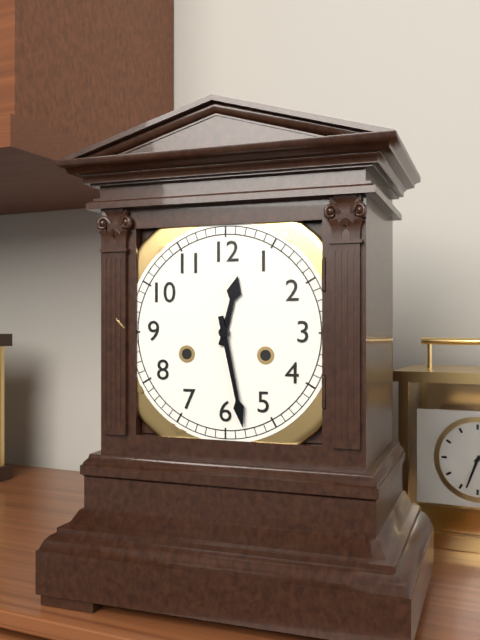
12,28
